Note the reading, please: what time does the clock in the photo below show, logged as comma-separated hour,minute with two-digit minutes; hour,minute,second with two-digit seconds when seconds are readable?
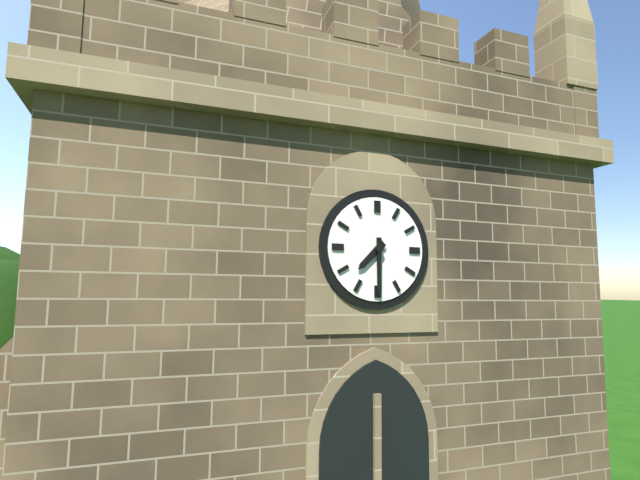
7,30
